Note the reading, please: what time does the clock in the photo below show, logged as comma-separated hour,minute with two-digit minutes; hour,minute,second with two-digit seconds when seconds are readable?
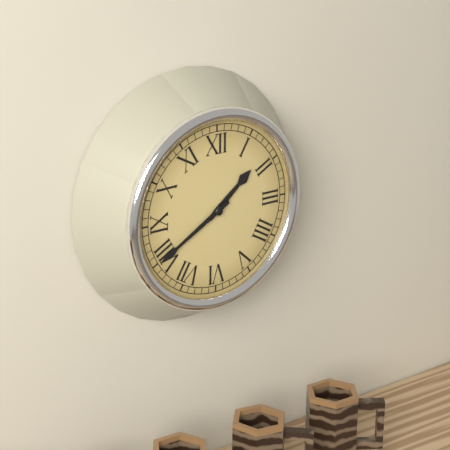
1,40
